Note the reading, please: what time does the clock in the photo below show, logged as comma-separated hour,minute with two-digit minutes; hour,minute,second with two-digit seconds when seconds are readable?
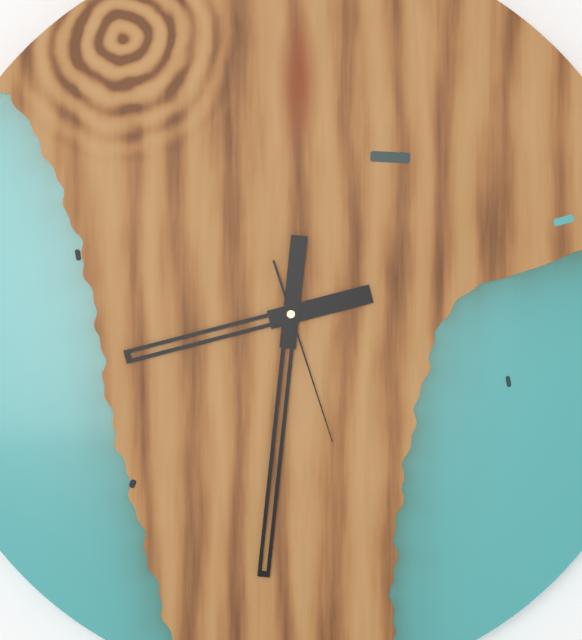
8,31,27
